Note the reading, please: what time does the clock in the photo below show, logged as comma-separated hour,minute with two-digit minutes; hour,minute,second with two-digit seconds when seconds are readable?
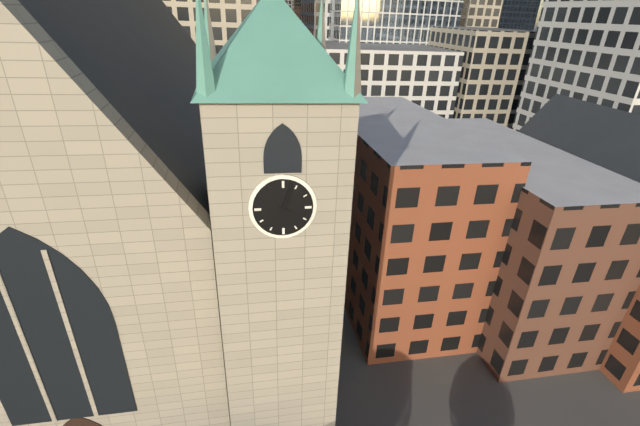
4,03
